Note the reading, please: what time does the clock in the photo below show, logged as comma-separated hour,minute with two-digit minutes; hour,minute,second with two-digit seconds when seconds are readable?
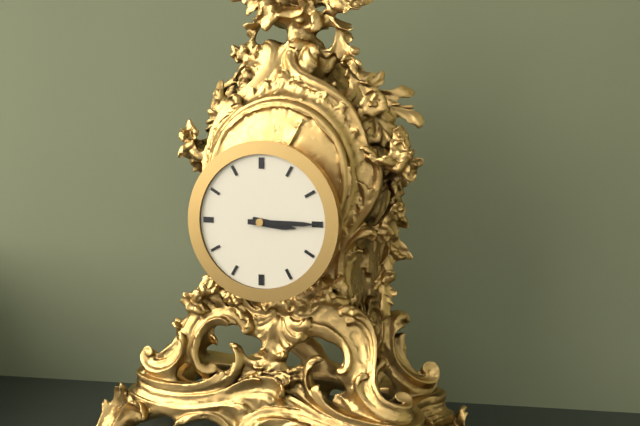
3,15
